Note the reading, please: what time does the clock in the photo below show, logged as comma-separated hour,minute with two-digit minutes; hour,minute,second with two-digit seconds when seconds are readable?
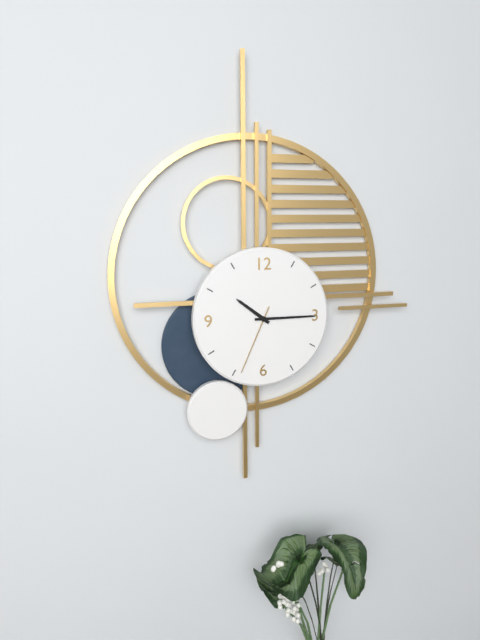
10,15,34
